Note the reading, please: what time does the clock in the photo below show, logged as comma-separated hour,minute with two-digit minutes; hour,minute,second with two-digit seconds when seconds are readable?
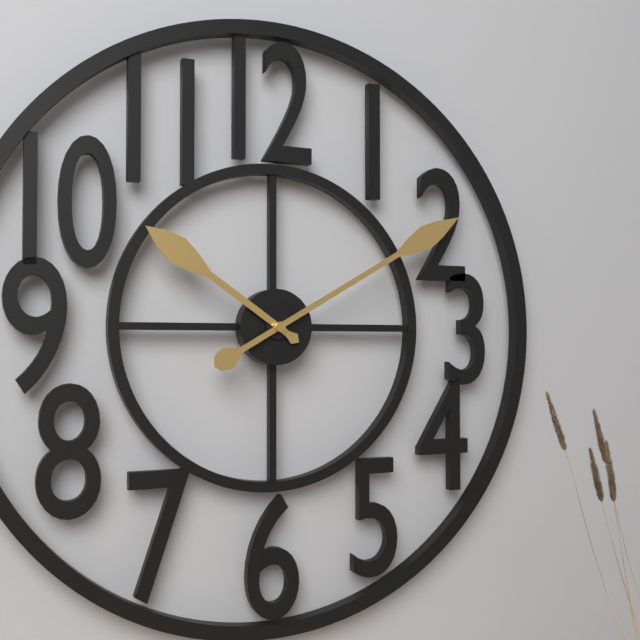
10,10
